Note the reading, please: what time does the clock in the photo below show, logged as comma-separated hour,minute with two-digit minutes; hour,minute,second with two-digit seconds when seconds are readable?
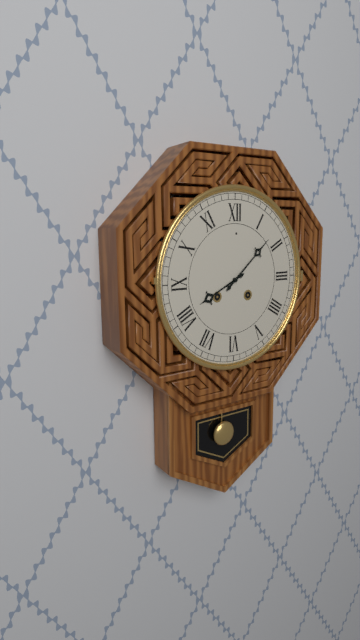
8,08
